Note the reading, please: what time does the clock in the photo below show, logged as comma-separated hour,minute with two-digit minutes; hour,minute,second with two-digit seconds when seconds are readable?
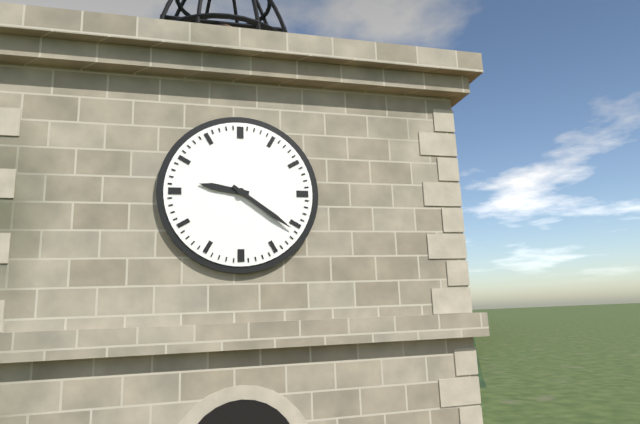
9,21
